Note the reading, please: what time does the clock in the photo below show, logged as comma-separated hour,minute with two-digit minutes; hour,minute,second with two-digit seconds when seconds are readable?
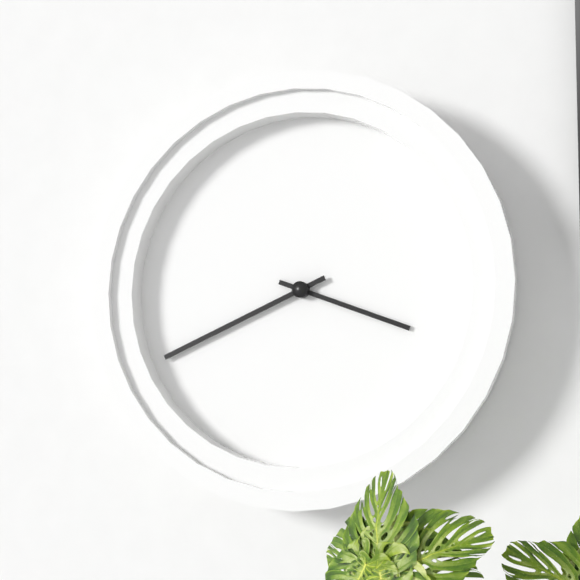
3,41
